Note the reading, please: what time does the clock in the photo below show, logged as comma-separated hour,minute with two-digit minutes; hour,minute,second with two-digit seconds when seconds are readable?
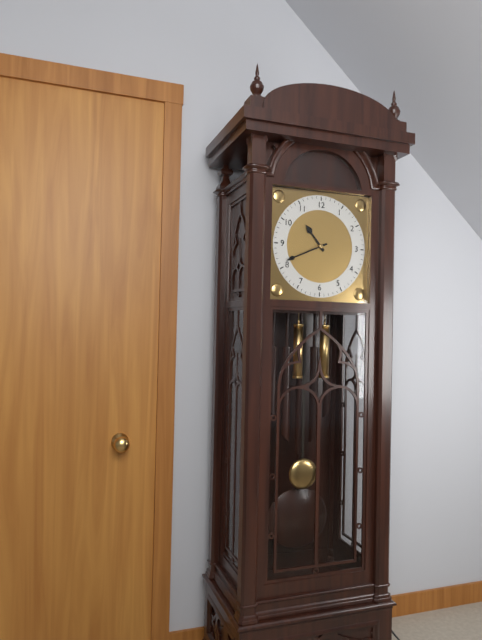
10,41
